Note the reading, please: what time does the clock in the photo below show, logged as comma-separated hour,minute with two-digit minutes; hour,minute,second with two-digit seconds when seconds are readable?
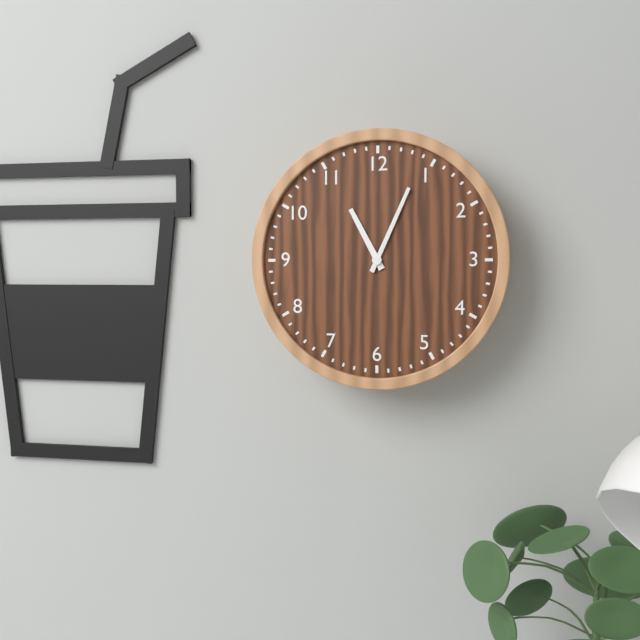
11,04
